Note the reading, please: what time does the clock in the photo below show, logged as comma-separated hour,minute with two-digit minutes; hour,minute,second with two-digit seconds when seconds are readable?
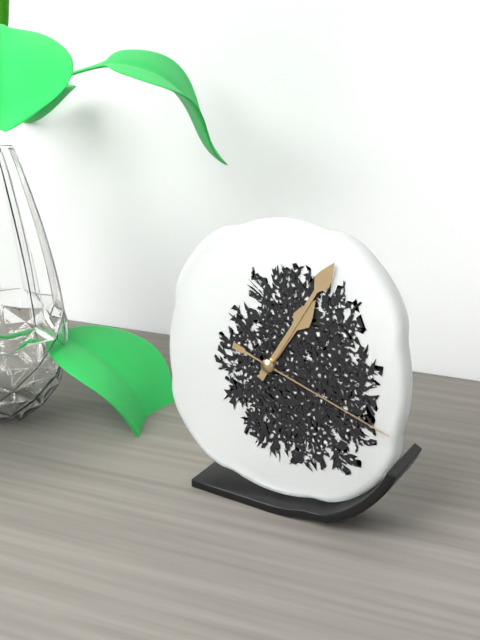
1,05,18
